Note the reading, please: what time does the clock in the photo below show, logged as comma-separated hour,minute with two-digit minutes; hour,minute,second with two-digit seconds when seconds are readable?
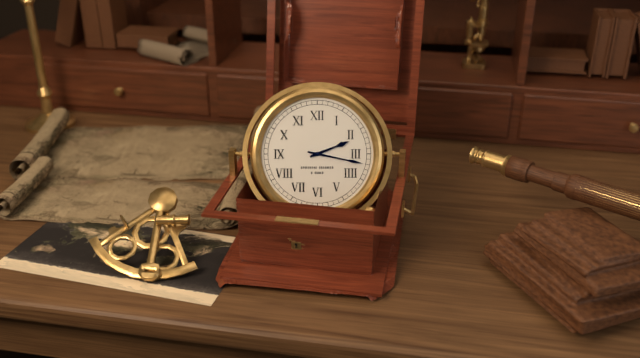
2,17
